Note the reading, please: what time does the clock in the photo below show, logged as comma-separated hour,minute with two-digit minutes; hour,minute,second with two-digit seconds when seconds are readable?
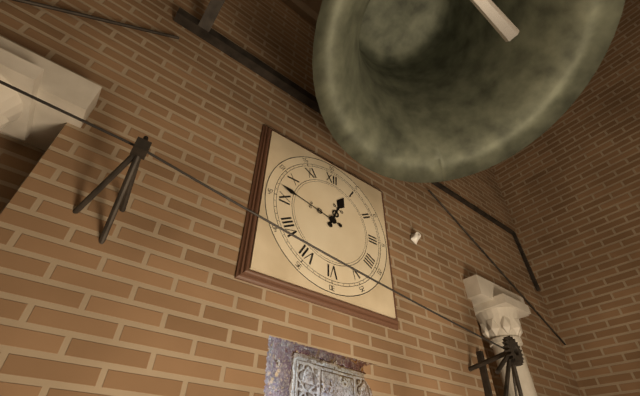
12,47
